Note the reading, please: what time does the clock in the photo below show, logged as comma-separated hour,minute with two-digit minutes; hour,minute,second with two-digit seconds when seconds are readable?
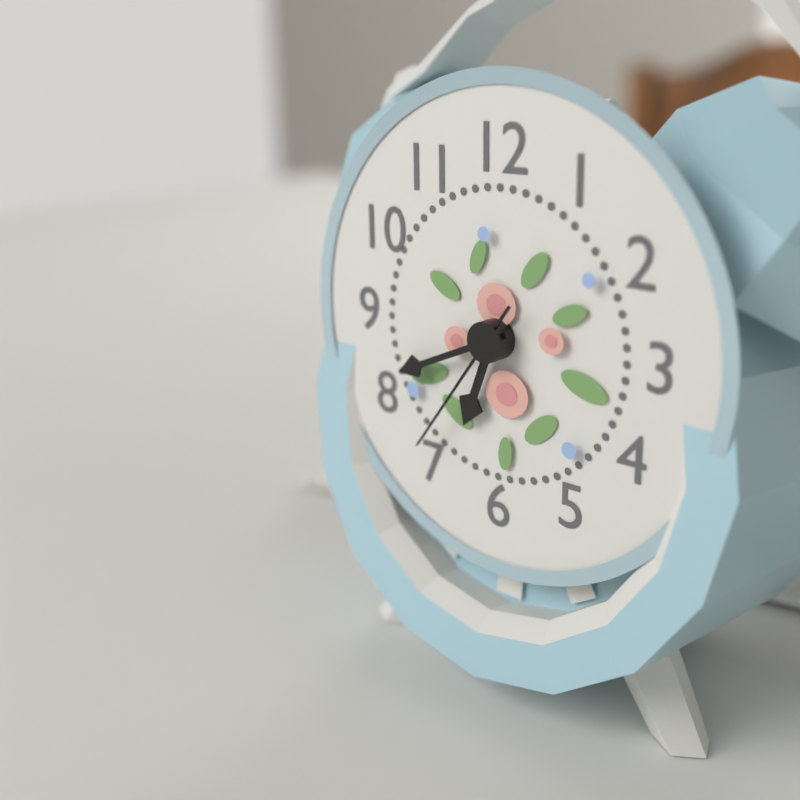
6,41,36
